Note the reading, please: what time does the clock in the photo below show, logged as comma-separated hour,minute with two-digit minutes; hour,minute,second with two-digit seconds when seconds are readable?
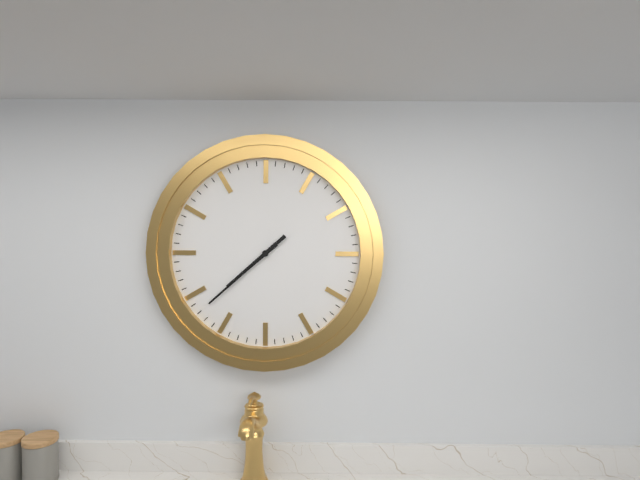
7,38
